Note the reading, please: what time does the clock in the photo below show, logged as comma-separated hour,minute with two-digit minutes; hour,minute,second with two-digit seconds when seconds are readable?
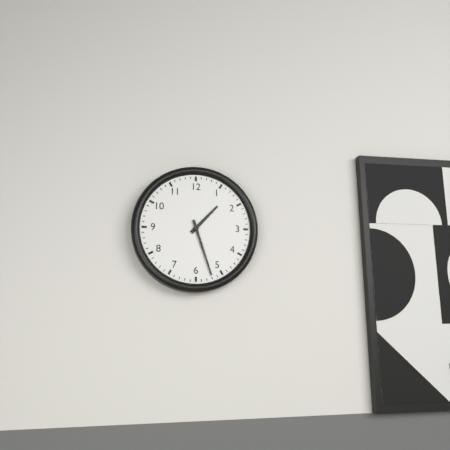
1,27
